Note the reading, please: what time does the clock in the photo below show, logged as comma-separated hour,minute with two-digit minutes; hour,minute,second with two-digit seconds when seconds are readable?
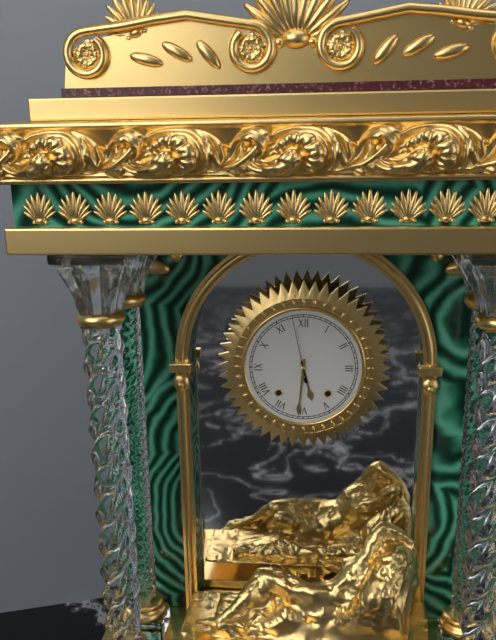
5,31,58
